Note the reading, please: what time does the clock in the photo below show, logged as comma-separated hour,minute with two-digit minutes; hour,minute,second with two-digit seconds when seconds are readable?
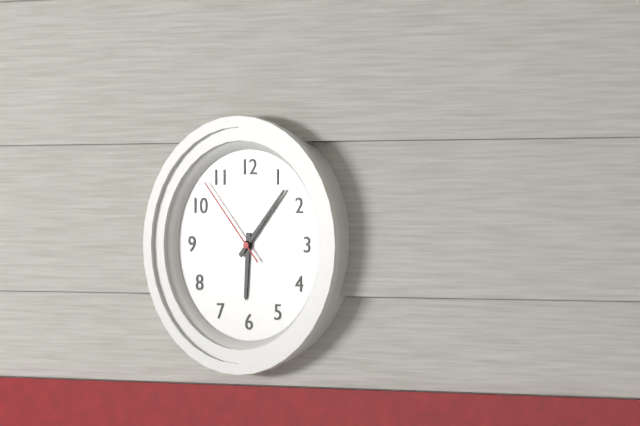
6,07,53
